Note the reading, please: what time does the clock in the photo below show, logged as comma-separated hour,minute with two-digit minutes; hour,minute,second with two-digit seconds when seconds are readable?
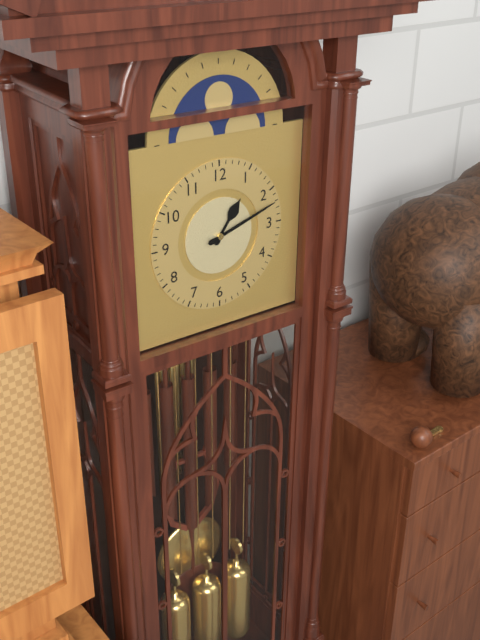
1,12
